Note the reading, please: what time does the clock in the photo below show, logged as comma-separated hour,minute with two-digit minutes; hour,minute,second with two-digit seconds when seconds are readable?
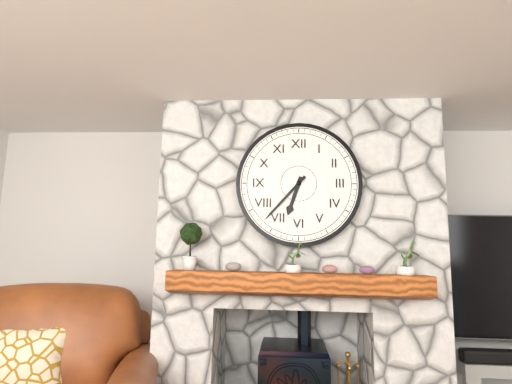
6,37
